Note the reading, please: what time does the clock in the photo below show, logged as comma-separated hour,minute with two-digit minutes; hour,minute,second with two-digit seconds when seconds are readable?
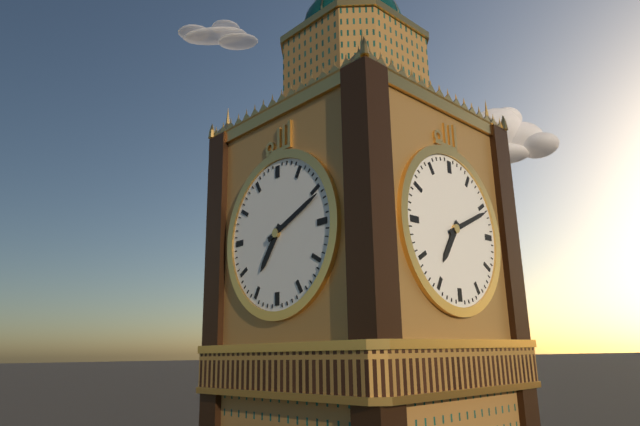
7,11
